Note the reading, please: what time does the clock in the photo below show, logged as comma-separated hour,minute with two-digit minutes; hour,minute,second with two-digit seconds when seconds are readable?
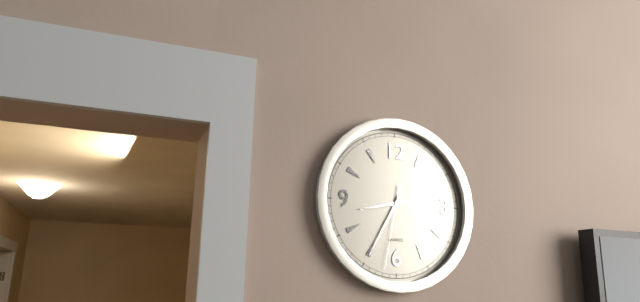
8,35,32
